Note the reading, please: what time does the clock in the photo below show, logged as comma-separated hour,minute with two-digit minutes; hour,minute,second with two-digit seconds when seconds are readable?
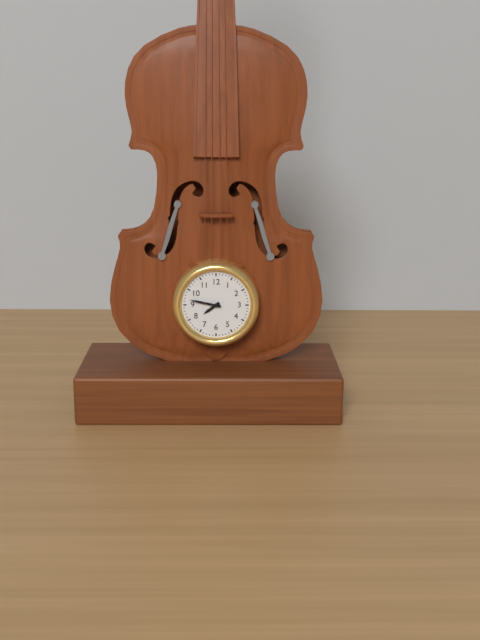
7,47
